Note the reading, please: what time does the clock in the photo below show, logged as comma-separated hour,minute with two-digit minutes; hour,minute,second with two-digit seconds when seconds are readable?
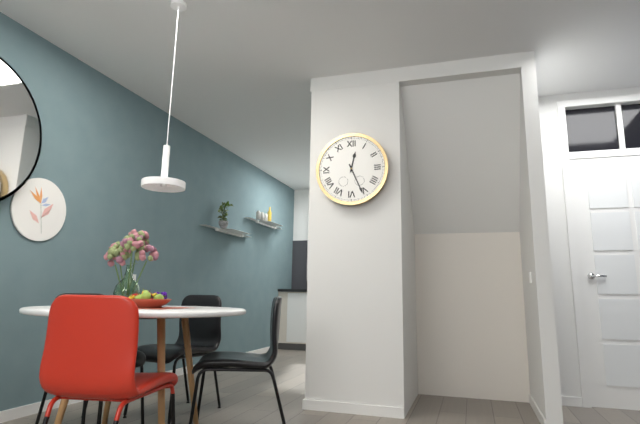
12,26
